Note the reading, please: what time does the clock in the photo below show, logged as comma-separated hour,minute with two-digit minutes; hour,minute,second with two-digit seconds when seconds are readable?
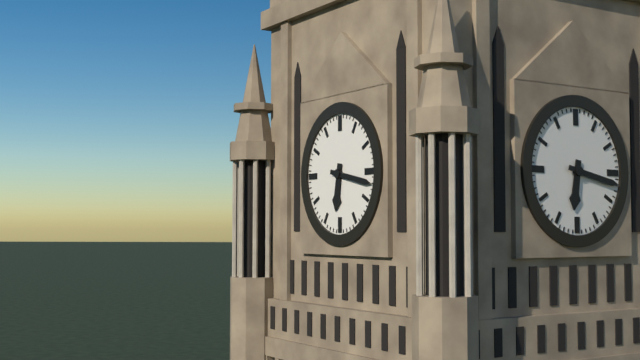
6,17
